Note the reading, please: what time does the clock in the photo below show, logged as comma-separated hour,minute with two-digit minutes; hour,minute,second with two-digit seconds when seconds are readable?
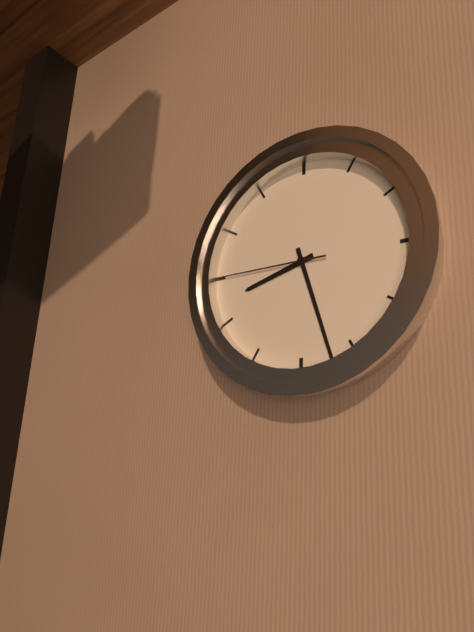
8,27,45
